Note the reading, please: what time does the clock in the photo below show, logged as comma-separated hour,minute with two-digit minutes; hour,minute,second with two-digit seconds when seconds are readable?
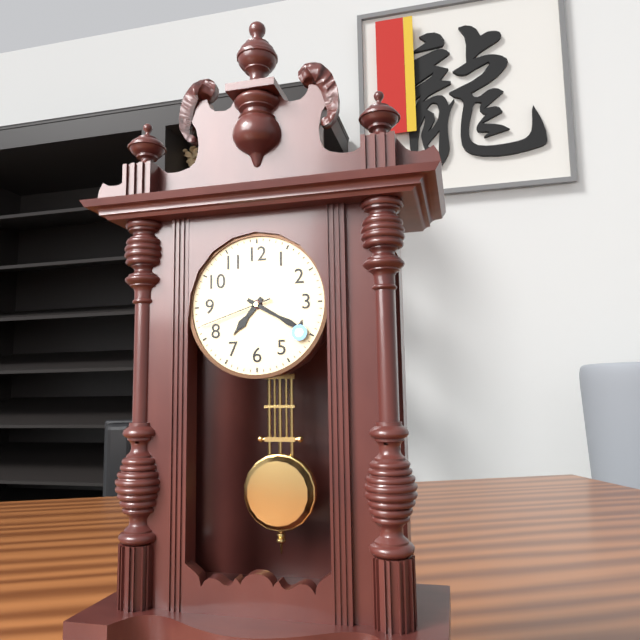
7,20,42
